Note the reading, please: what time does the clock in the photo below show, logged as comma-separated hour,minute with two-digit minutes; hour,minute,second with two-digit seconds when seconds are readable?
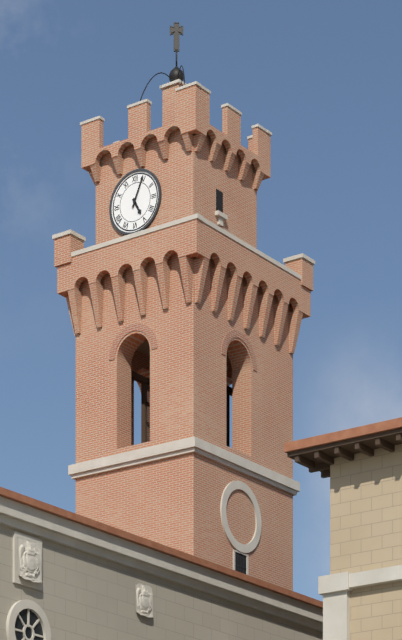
5,04
